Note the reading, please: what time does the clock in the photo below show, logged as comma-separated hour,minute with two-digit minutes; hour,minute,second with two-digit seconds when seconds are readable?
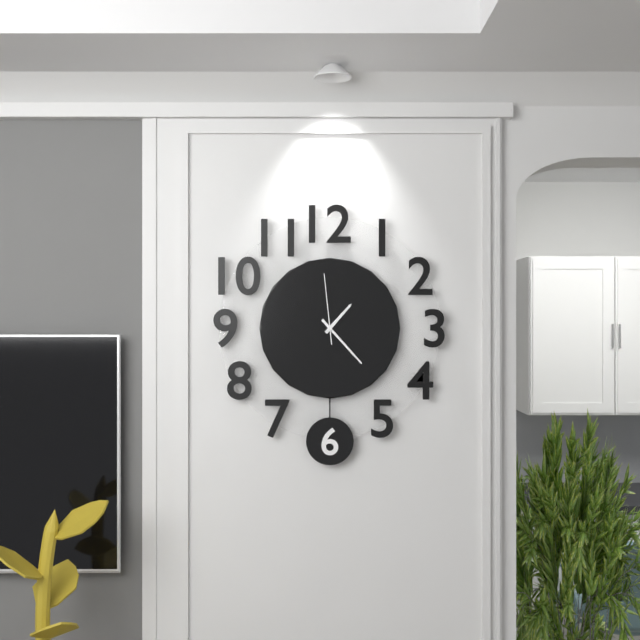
1,23,59
